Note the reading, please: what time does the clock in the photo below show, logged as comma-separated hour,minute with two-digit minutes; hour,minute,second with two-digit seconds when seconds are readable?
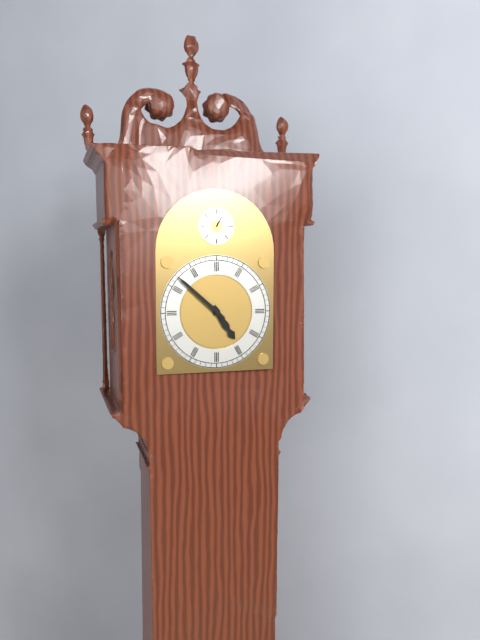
4,52
